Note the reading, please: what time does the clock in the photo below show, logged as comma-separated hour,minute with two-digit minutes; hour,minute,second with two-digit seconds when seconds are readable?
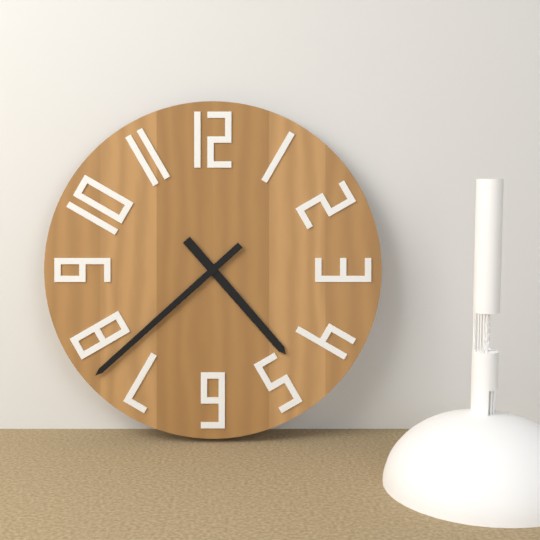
4,38
